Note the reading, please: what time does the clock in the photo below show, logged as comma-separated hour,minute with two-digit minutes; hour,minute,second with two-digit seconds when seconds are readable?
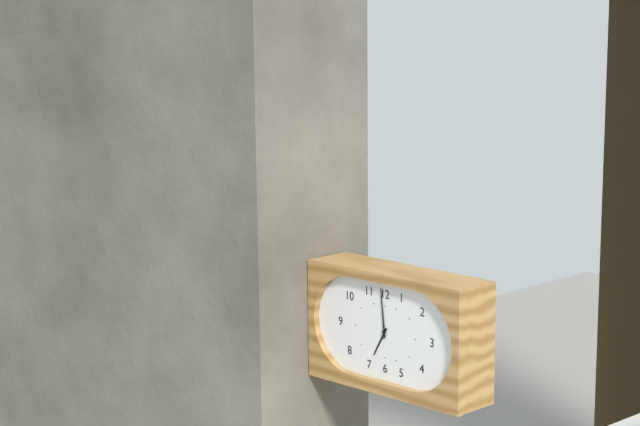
6,59
